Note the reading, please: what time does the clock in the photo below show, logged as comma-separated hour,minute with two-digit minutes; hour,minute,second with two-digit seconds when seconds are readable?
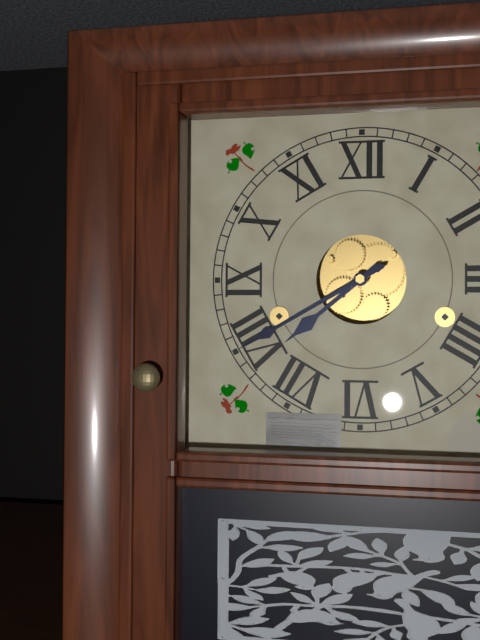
7,40
